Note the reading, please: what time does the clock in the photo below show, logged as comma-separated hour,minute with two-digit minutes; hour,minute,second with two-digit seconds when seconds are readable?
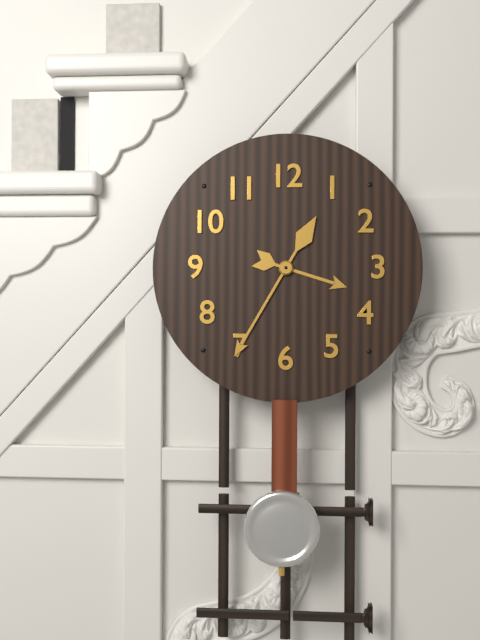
3,35
